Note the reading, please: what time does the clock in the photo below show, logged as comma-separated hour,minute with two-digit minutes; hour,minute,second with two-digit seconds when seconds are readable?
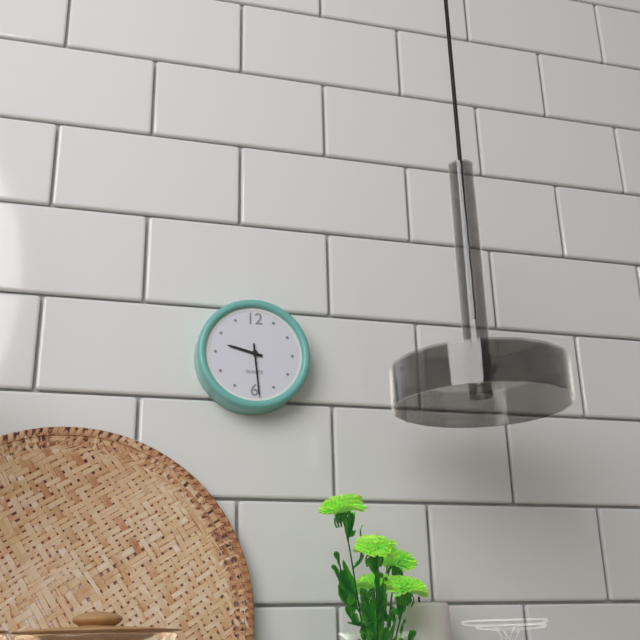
9,29
